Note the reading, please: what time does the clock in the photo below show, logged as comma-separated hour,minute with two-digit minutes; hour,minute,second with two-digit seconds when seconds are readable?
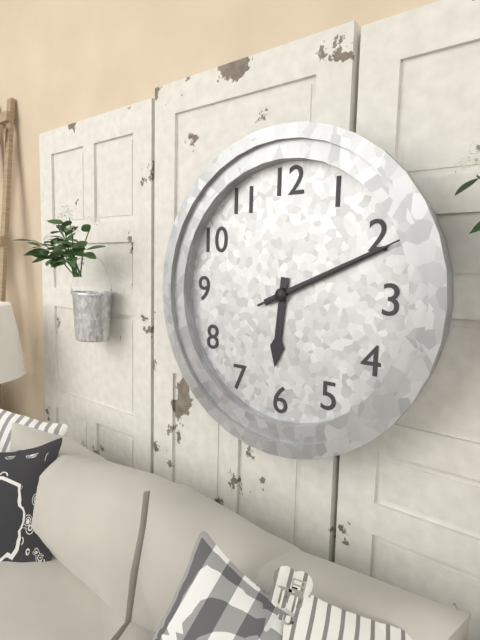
6,11,11
